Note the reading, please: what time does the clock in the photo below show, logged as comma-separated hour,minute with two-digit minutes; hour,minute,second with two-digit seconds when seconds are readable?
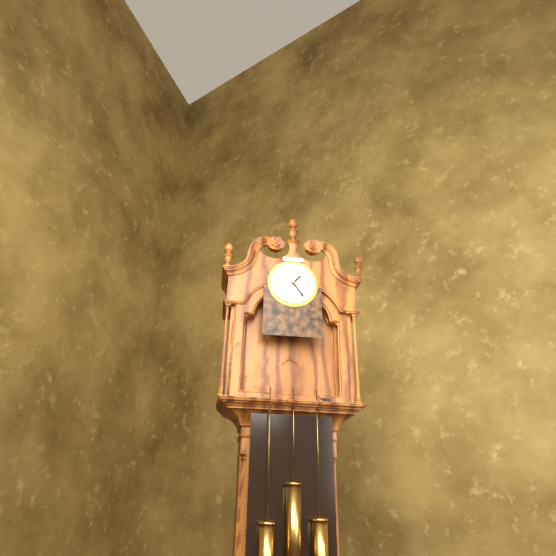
1,24
